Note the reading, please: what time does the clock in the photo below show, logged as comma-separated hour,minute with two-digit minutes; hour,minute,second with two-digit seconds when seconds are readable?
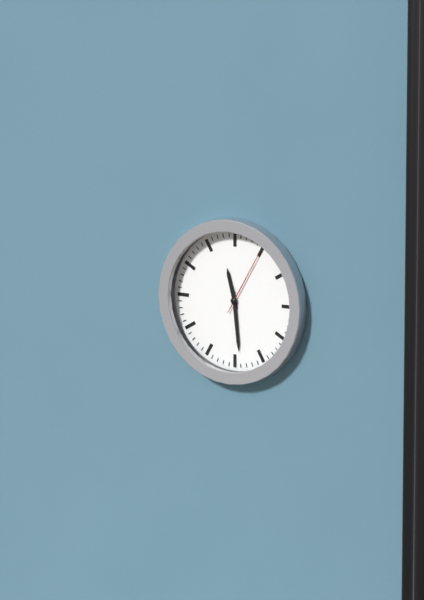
11,29,05
